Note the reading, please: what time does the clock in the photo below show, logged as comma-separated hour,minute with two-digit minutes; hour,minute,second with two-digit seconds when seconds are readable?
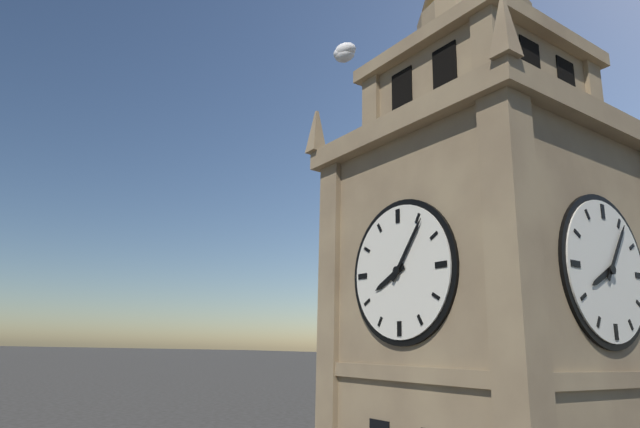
8,06
